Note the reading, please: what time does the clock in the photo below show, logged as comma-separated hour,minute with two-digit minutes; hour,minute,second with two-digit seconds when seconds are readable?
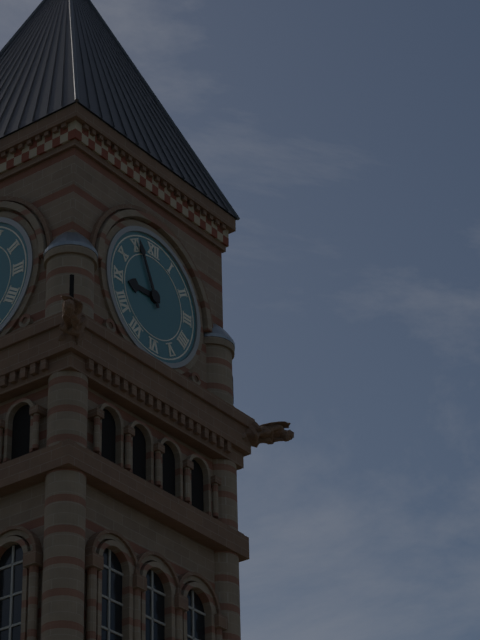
8,56
